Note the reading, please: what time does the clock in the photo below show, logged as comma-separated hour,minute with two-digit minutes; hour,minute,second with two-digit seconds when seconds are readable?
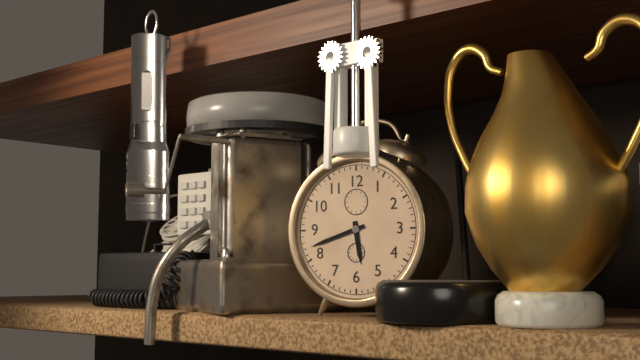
5,42
